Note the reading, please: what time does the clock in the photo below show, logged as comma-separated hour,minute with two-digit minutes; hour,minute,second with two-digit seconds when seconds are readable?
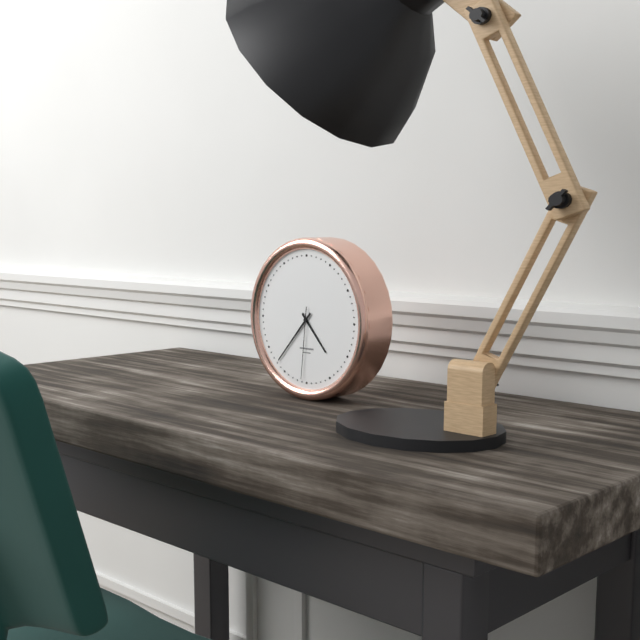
4,37,31
